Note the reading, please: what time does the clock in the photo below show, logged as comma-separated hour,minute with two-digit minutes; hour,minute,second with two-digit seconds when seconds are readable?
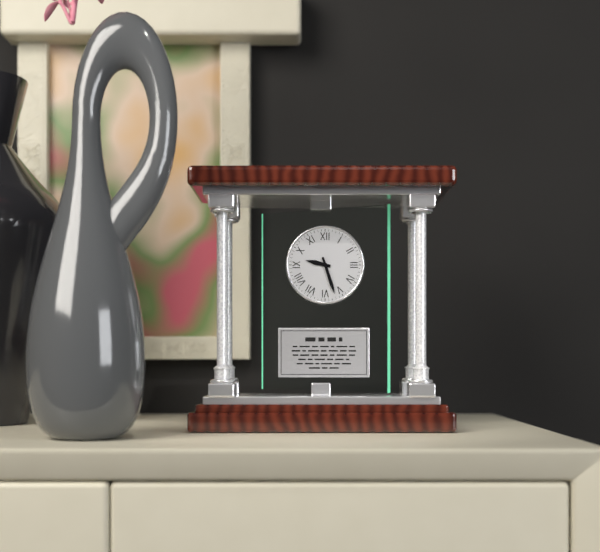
9,27
